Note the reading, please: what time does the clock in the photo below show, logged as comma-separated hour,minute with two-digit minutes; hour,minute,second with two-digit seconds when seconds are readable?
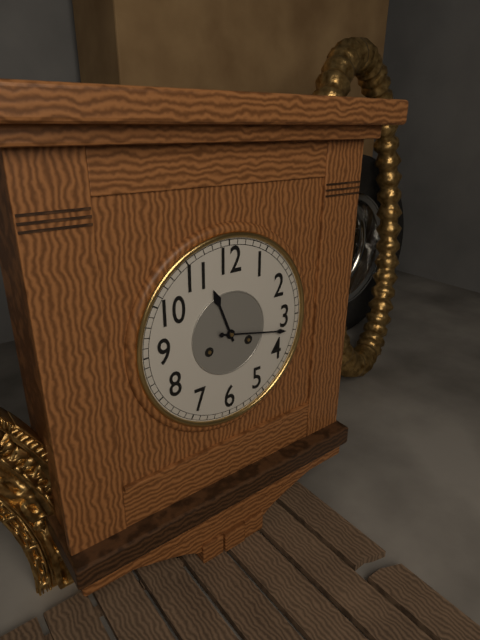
11,17
